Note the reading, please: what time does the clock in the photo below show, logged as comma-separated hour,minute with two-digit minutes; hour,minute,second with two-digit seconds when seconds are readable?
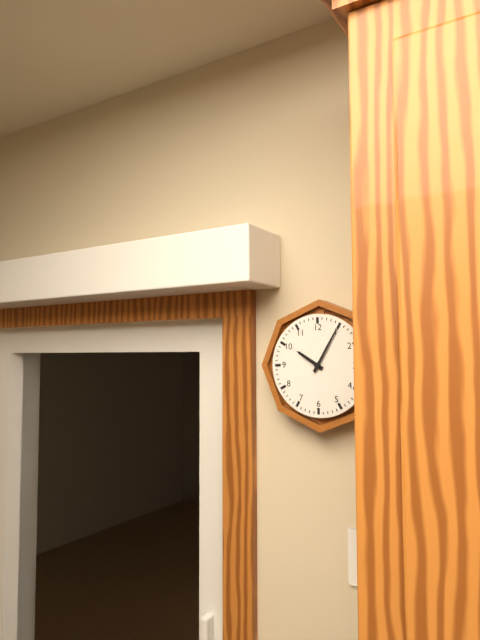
10,05
